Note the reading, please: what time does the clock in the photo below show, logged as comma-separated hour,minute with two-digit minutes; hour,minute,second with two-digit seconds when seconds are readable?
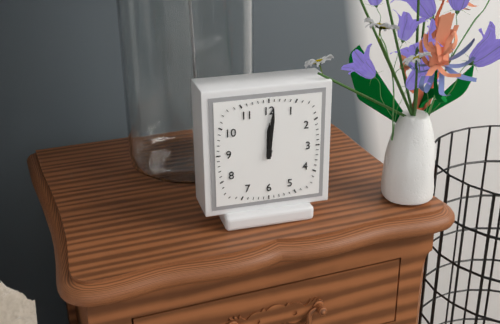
12,01
